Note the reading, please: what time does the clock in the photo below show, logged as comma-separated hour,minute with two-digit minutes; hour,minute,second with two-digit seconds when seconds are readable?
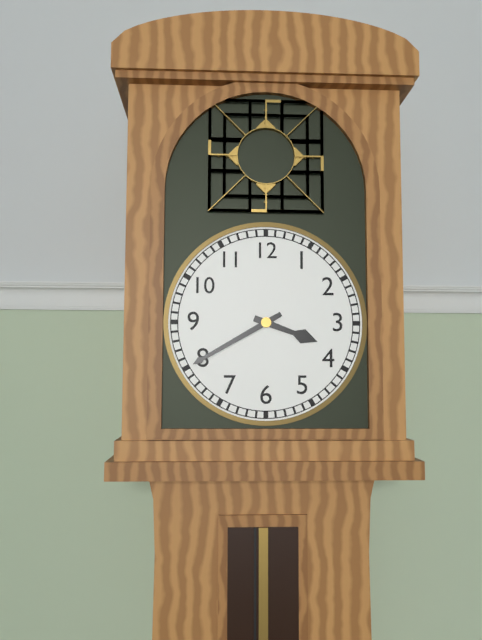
3,40
